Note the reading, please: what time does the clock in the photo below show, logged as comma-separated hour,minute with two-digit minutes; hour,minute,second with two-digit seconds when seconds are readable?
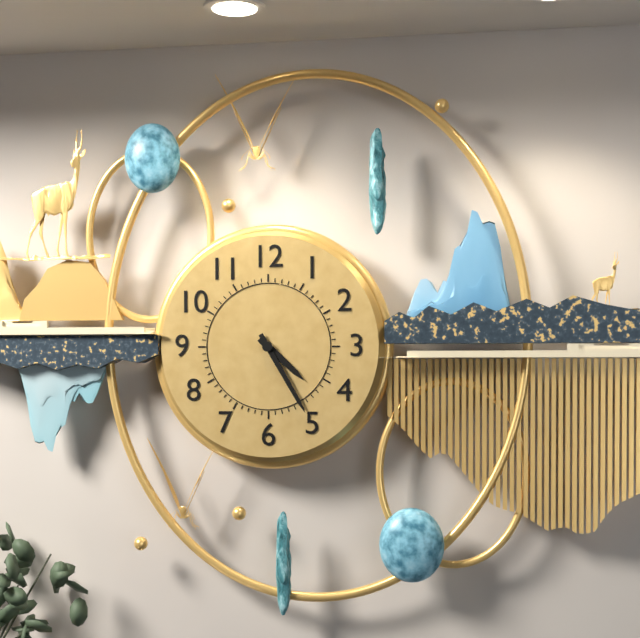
4,25
